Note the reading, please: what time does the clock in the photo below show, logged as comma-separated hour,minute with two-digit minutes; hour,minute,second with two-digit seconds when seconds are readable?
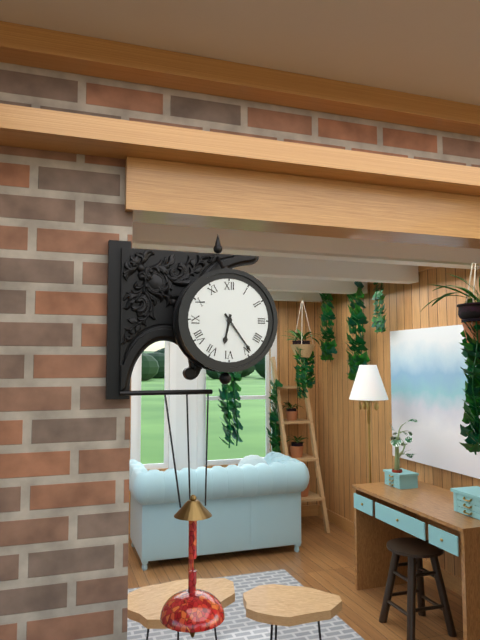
6,24
